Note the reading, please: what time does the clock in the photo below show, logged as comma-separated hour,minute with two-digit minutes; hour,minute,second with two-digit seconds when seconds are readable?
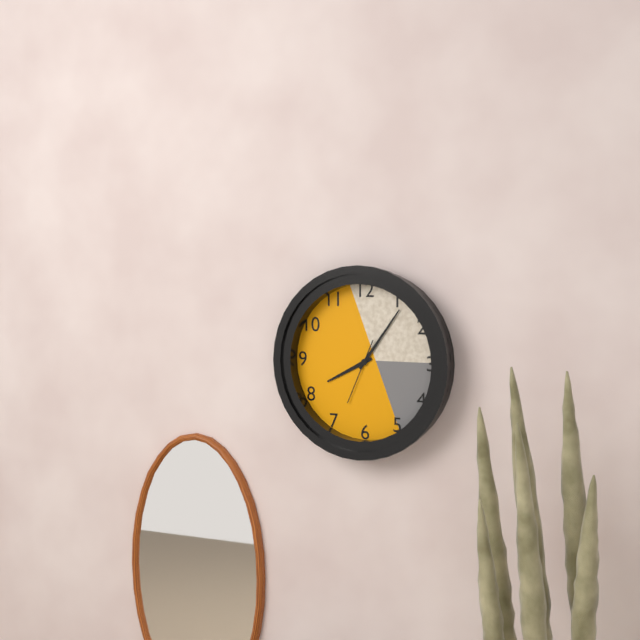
8,06,34
